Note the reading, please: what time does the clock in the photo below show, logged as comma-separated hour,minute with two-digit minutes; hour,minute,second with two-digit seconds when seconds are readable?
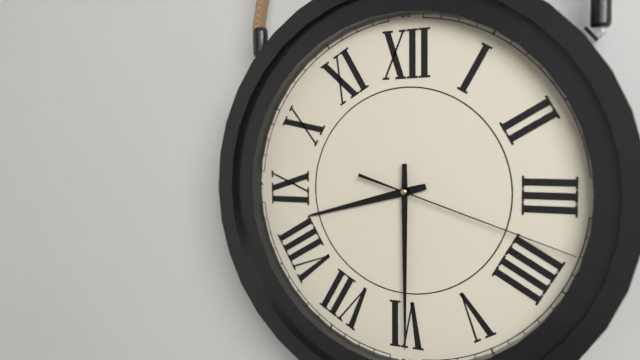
8,30,18
